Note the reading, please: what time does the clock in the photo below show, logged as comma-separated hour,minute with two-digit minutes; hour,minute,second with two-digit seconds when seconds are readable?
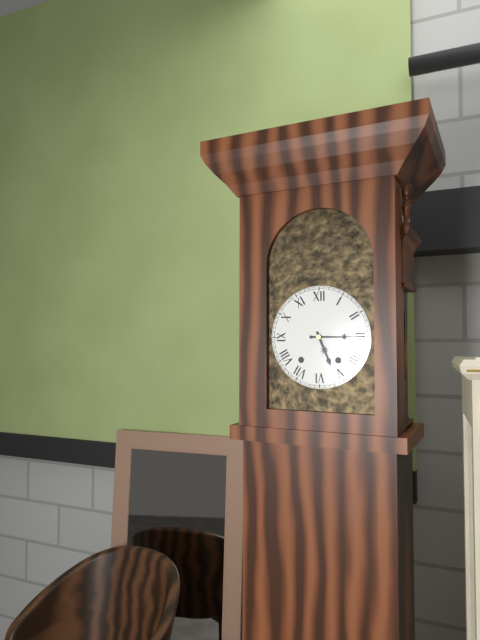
5,15
